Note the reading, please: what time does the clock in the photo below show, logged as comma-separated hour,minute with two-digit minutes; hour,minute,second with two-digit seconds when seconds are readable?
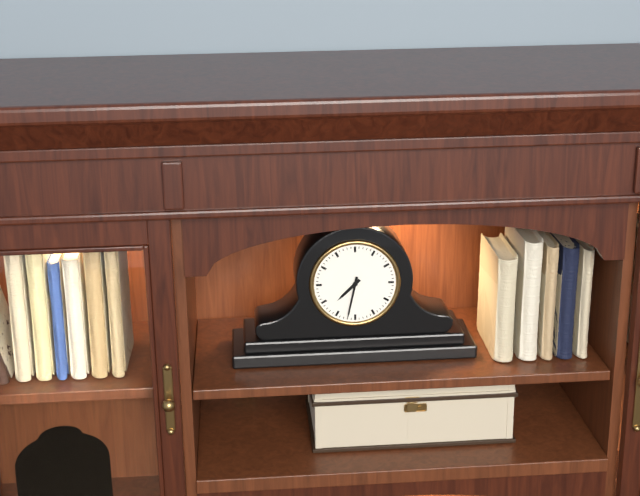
7,32
